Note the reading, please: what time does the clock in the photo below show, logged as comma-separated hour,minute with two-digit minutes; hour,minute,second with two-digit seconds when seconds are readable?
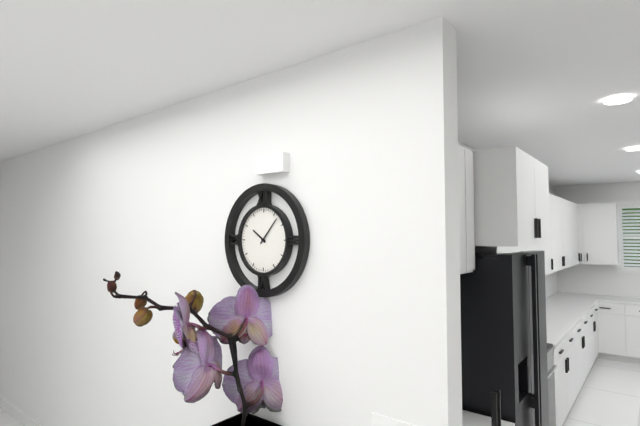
10,07
